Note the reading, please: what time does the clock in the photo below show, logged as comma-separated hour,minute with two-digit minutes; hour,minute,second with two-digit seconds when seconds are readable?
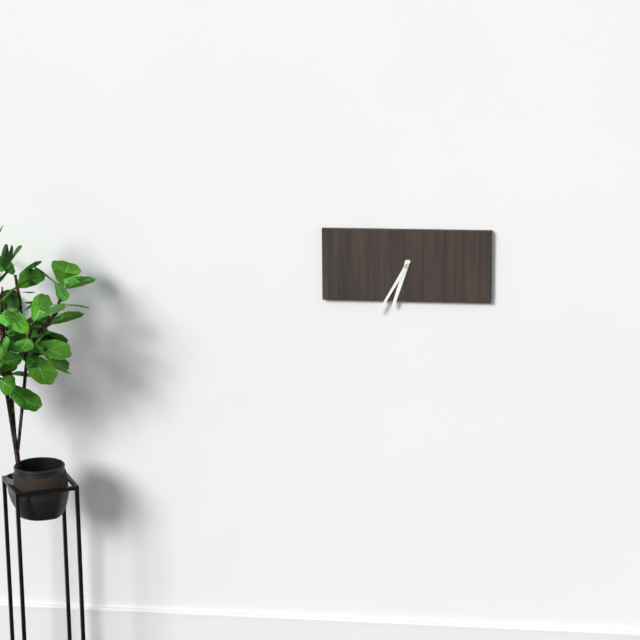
6,35
